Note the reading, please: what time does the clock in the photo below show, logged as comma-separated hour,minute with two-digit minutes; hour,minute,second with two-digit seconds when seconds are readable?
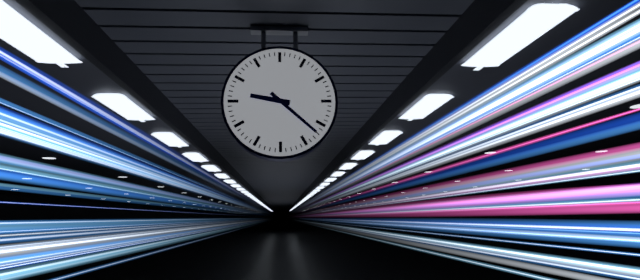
9,22
